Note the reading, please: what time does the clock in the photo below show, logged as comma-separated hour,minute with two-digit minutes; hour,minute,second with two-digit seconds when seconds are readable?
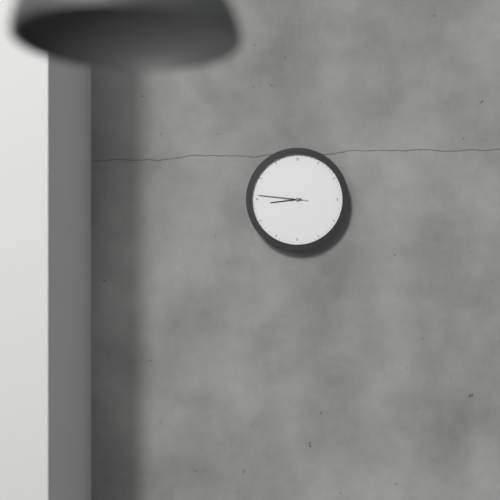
8,46,46
